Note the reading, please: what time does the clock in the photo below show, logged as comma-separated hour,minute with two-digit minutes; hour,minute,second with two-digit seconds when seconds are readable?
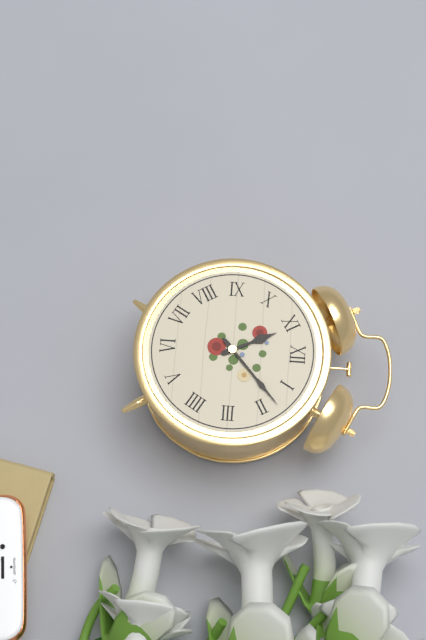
11,08
